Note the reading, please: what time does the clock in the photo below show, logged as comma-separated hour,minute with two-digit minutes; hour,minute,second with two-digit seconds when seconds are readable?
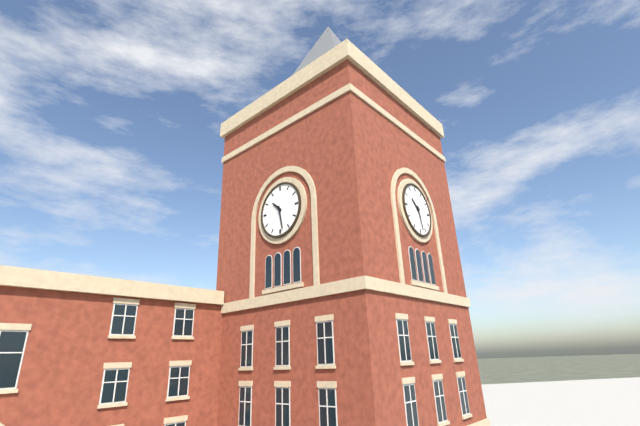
10,28
